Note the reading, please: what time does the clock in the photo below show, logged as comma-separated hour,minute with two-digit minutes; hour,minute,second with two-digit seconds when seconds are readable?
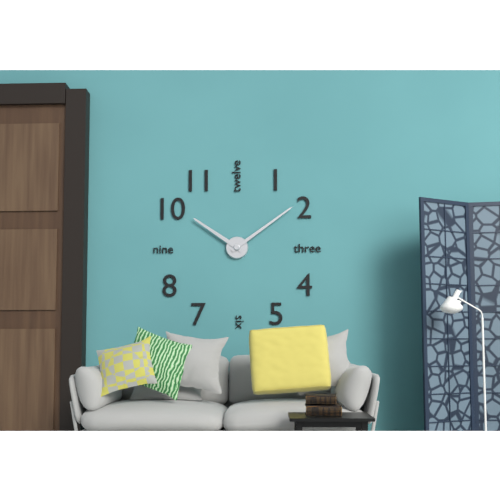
10,09
